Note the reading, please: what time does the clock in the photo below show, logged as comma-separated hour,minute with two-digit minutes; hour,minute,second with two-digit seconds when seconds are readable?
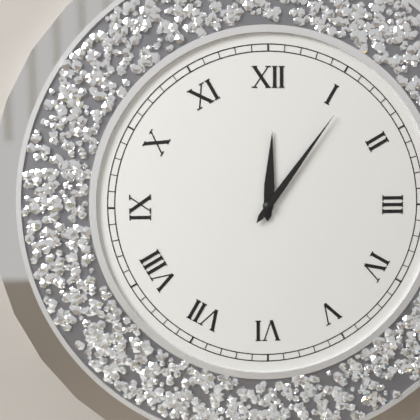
12,06
